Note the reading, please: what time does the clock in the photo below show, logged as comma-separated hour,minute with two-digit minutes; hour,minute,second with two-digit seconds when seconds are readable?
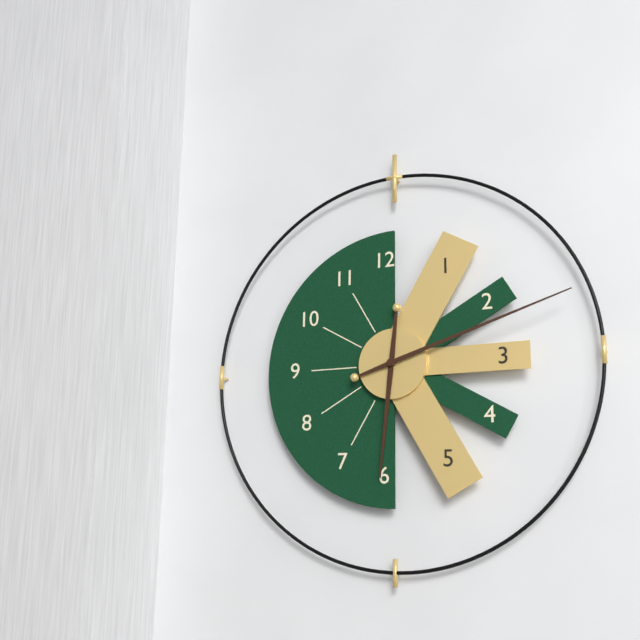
6,12
